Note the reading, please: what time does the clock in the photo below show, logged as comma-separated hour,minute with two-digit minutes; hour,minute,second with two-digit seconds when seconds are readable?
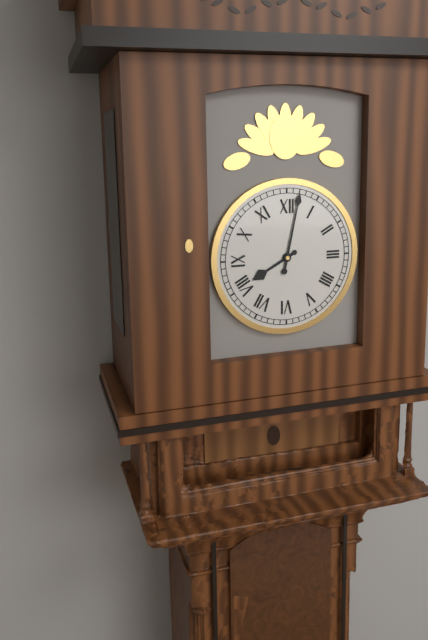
8,02
